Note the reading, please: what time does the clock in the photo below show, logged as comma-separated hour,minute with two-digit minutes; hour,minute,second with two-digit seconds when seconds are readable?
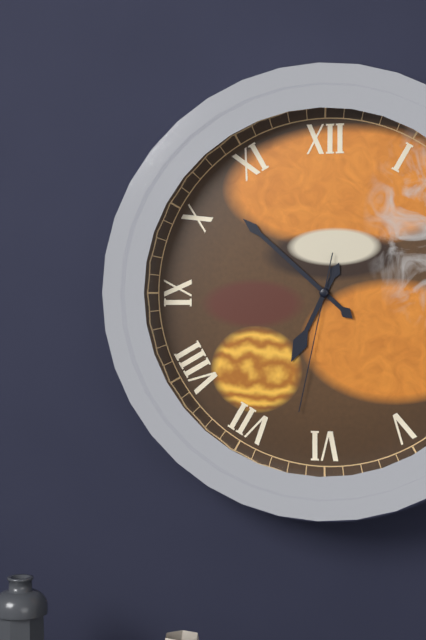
6,52,32
